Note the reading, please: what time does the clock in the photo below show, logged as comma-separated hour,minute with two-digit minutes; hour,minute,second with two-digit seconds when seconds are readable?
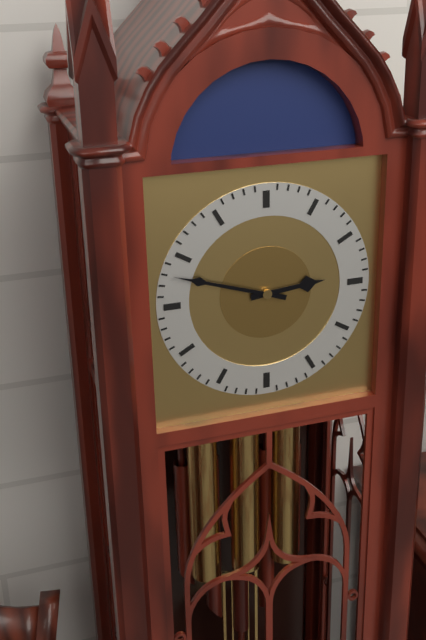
2,48
